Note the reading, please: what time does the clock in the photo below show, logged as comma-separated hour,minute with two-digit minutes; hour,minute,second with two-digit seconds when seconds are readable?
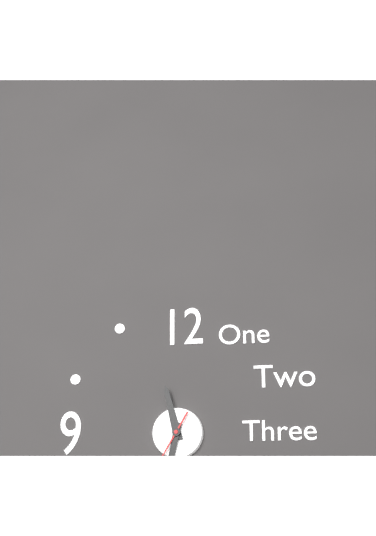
11,32,35
